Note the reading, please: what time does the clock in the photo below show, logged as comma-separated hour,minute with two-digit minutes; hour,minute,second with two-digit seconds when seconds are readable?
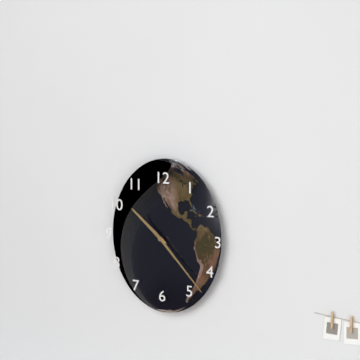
10,23
